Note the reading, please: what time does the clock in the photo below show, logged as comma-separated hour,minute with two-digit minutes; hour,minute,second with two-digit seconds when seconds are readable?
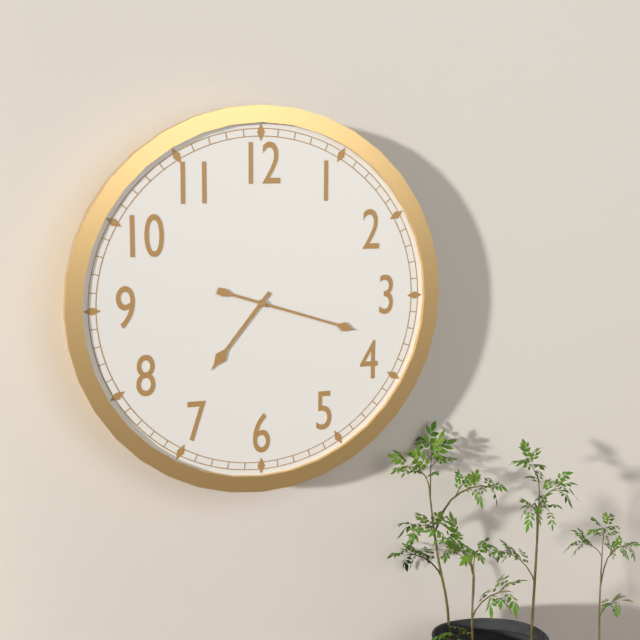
7,18
